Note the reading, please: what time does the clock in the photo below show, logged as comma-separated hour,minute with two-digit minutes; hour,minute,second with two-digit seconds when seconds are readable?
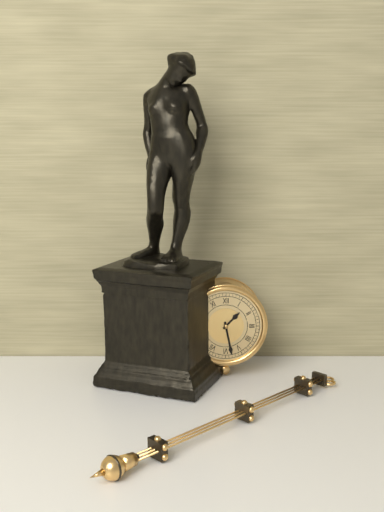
1,28
